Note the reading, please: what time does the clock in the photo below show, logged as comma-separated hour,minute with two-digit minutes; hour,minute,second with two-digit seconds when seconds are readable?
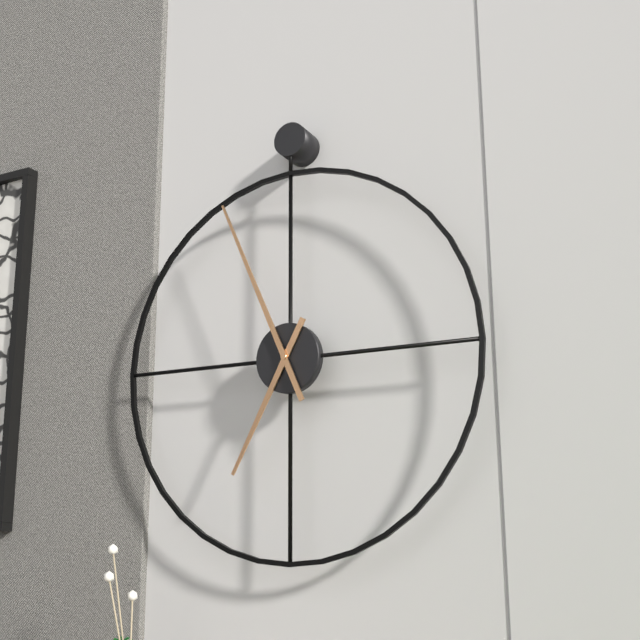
6,56
